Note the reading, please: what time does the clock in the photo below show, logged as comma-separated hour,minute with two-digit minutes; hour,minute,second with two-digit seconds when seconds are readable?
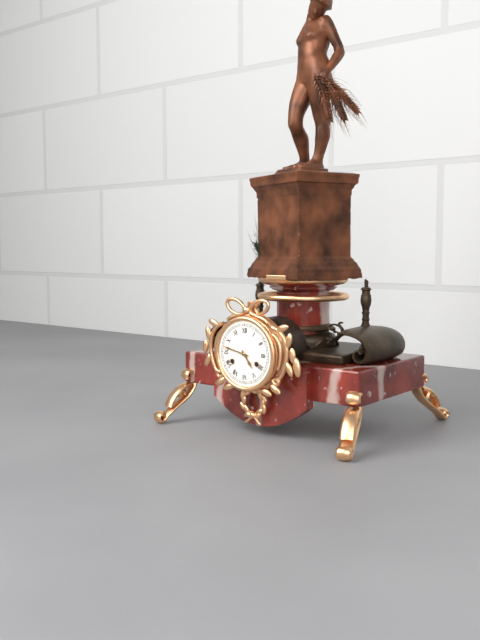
4,47
